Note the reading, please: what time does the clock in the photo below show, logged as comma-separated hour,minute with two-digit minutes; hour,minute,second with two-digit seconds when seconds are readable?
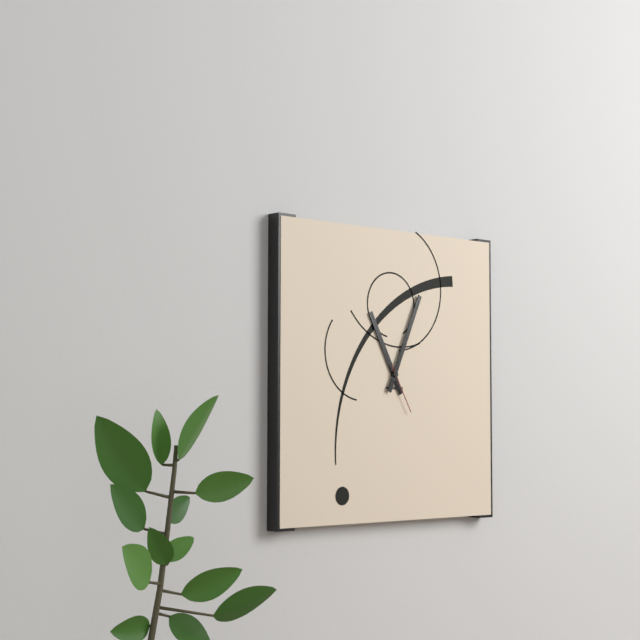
11,04,25
